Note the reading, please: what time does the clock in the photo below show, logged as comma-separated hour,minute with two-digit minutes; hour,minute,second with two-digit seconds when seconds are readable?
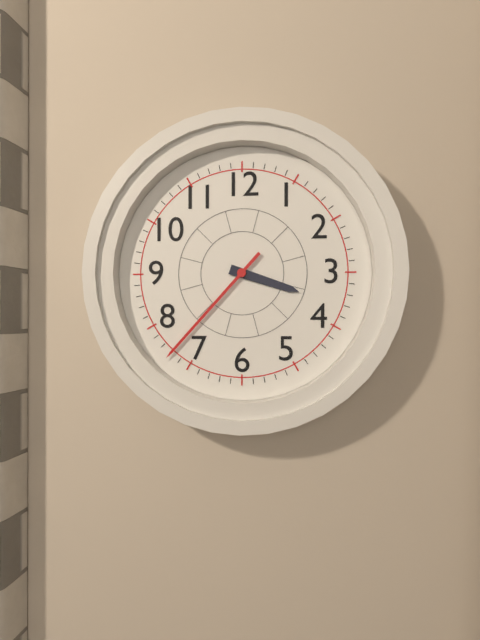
3,37
